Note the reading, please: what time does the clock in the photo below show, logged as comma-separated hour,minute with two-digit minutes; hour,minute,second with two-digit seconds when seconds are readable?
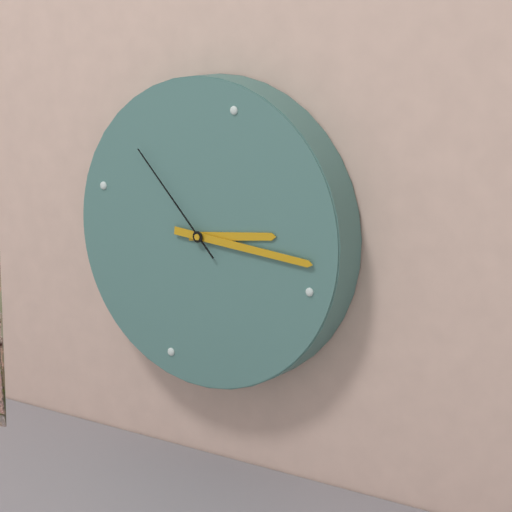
2,13,50
